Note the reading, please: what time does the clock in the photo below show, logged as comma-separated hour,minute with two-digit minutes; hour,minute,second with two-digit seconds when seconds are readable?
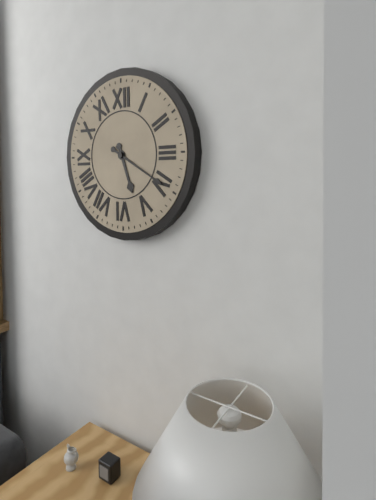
5,20
